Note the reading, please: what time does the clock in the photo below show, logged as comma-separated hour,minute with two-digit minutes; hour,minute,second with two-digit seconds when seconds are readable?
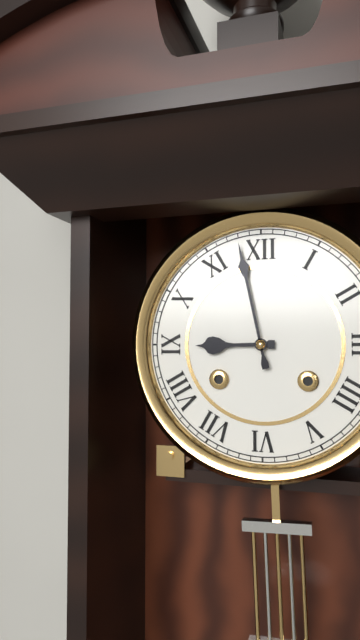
8,58
